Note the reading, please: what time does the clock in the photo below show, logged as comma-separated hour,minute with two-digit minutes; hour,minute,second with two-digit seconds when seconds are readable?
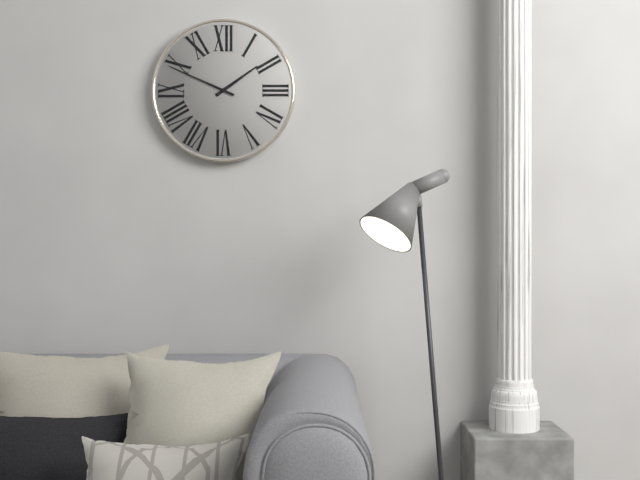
1,49
